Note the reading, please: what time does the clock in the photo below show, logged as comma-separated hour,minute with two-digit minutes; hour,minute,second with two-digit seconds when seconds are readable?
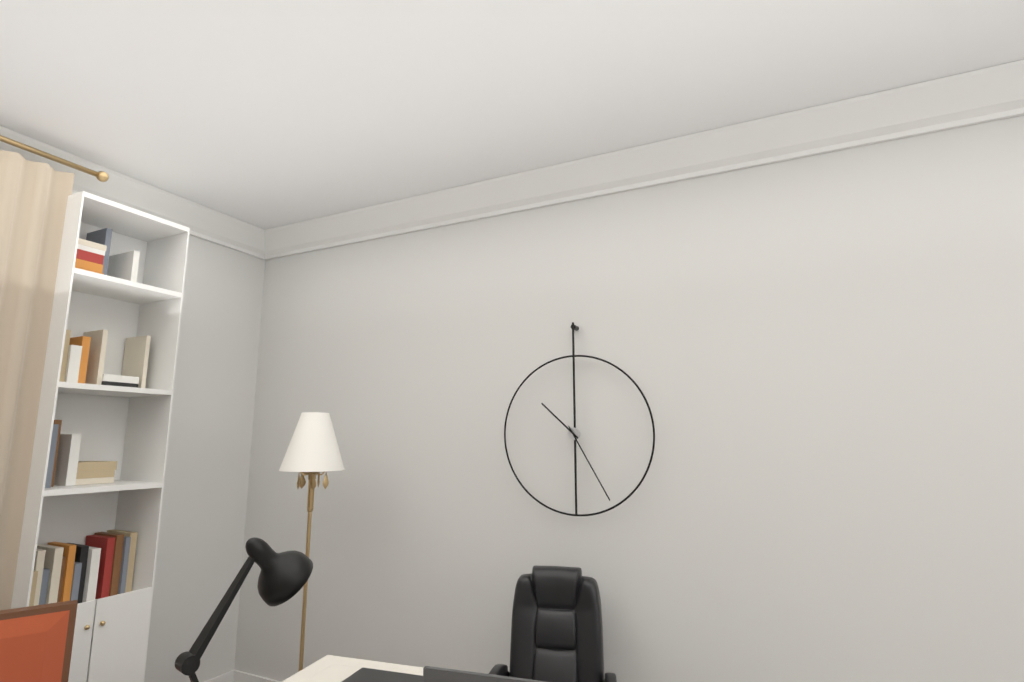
10,25
